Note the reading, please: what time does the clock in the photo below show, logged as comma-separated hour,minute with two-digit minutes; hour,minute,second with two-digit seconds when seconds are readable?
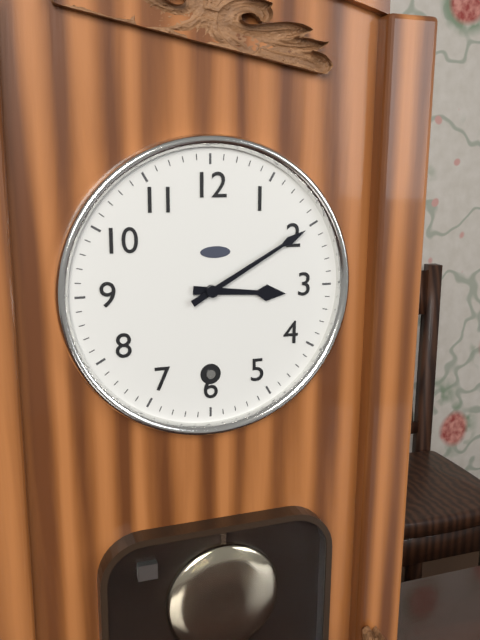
3,10
